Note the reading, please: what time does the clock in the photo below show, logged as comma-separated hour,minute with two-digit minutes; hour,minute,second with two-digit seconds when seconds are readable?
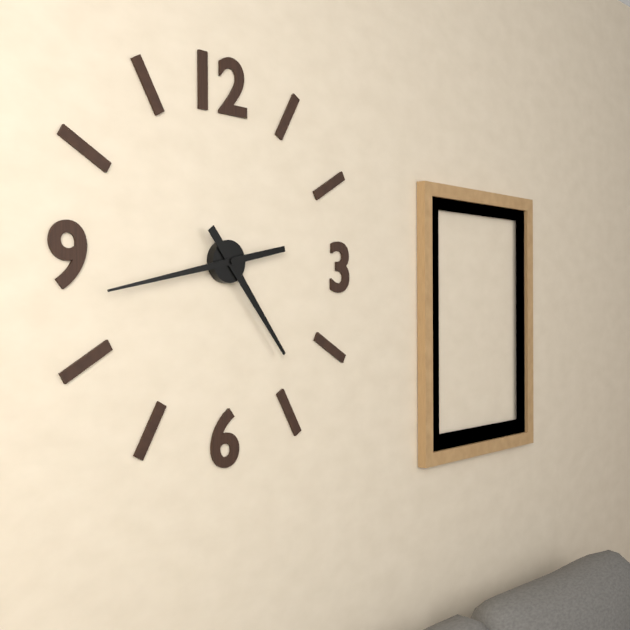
4,43
